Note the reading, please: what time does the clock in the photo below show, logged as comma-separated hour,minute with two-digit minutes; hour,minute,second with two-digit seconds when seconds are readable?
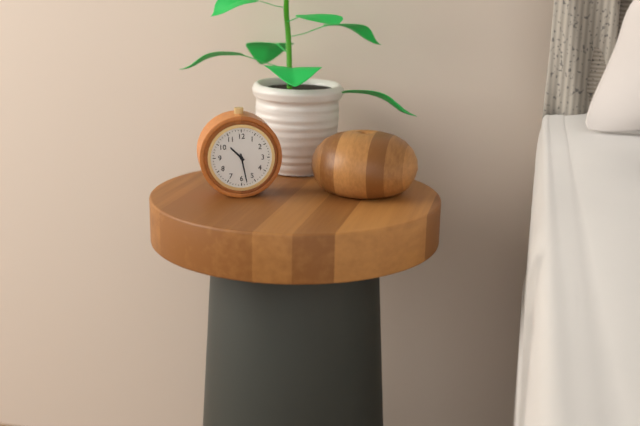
10,28
